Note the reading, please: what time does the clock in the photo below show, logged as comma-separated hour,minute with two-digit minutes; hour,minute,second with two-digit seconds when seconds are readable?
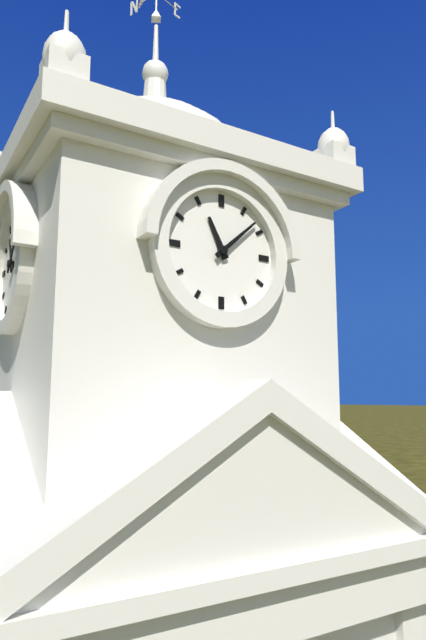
11,08
